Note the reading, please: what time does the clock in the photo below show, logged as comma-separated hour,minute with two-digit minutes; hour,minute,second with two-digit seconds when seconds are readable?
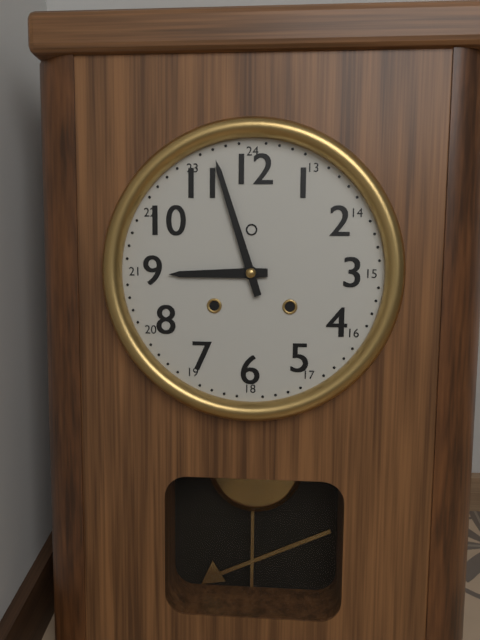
8,57
